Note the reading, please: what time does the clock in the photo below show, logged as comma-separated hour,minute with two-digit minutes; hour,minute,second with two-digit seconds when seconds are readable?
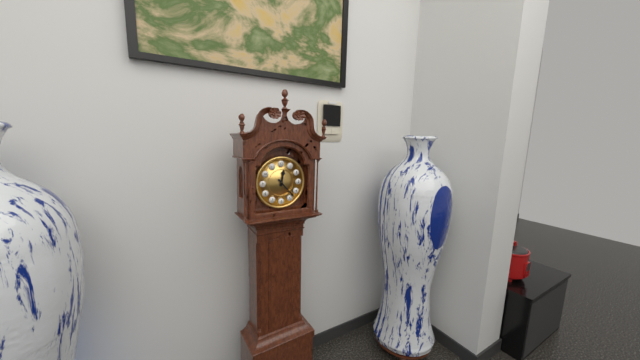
12,23
